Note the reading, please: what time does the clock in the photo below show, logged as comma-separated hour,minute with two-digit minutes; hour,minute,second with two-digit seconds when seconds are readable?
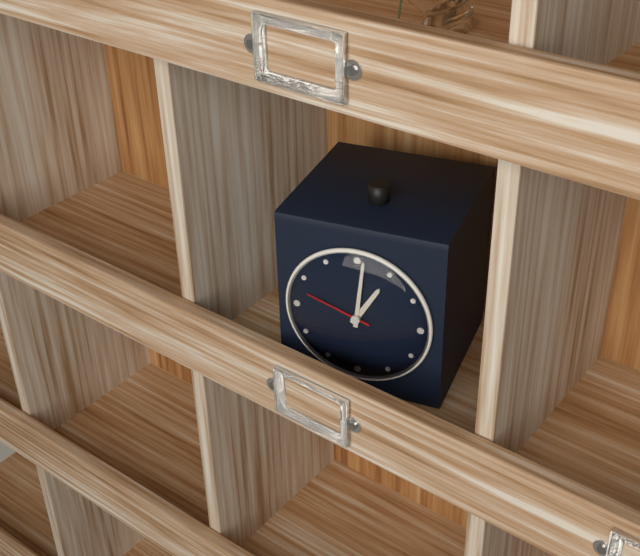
1,01,48
